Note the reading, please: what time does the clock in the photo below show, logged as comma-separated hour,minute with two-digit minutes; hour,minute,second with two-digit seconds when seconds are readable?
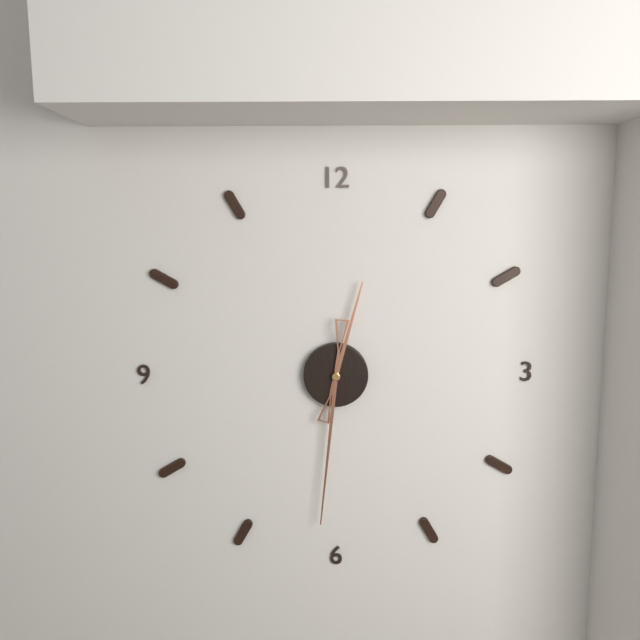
12,31
